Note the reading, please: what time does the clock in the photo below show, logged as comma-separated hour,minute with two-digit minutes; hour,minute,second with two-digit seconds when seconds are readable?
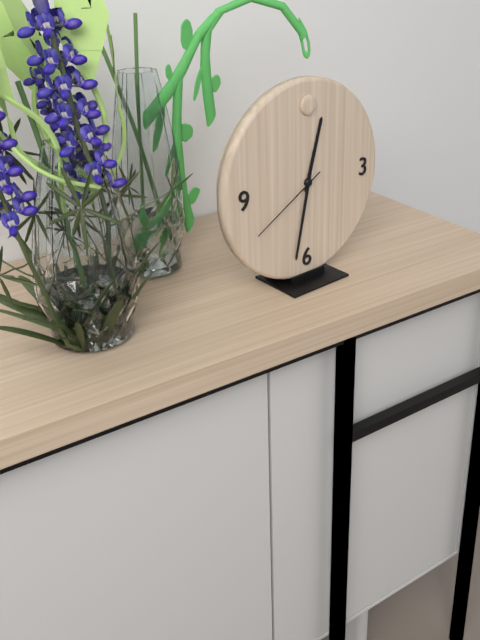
12,32,40
